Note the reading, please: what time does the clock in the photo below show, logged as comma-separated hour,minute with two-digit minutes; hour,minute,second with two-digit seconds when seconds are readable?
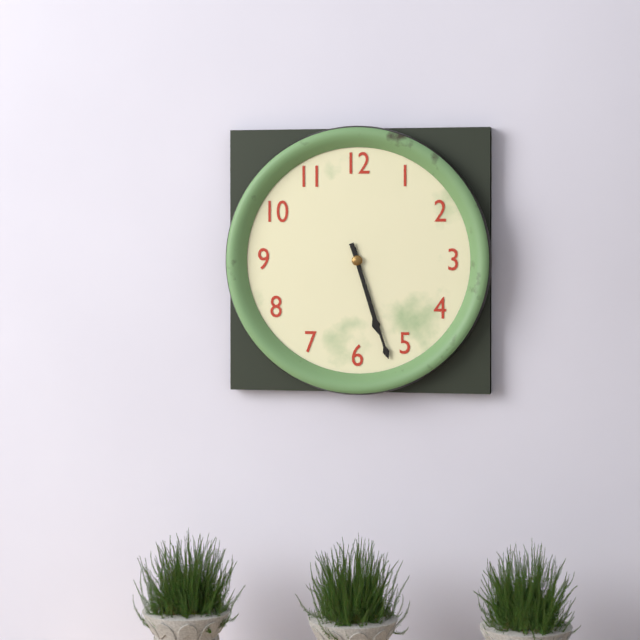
5,27
